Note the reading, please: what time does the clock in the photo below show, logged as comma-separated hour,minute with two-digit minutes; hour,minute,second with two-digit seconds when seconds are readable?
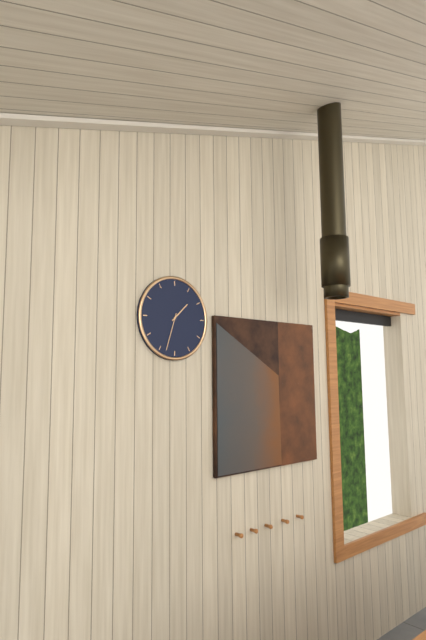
1,33
